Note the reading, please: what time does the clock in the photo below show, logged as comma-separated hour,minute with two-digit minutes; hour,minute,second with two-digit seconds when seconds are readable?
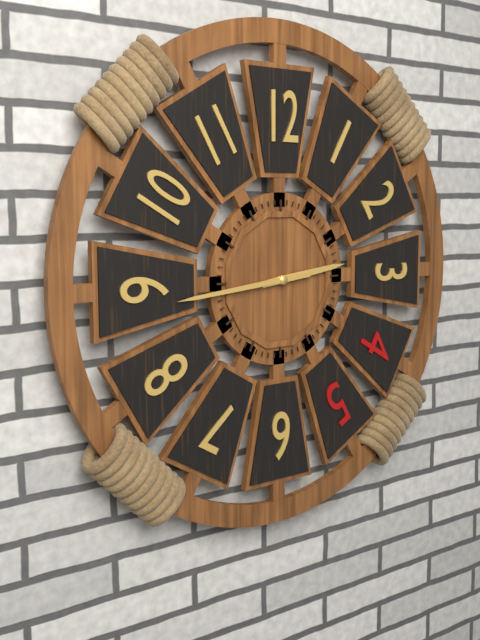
2,44
